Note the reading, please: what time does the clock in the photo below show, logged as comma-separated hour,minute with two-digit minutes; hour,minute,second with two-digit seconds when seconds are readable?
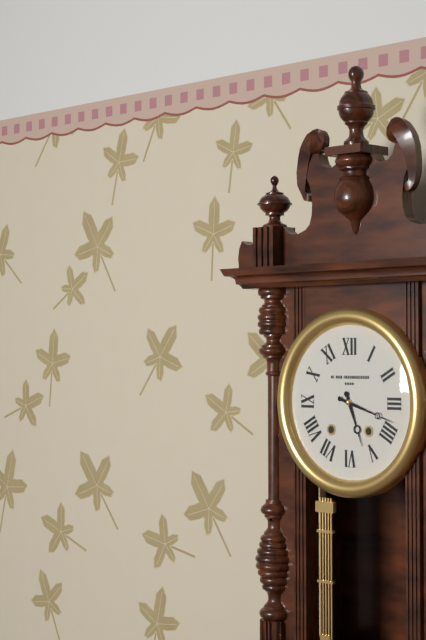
5,18
